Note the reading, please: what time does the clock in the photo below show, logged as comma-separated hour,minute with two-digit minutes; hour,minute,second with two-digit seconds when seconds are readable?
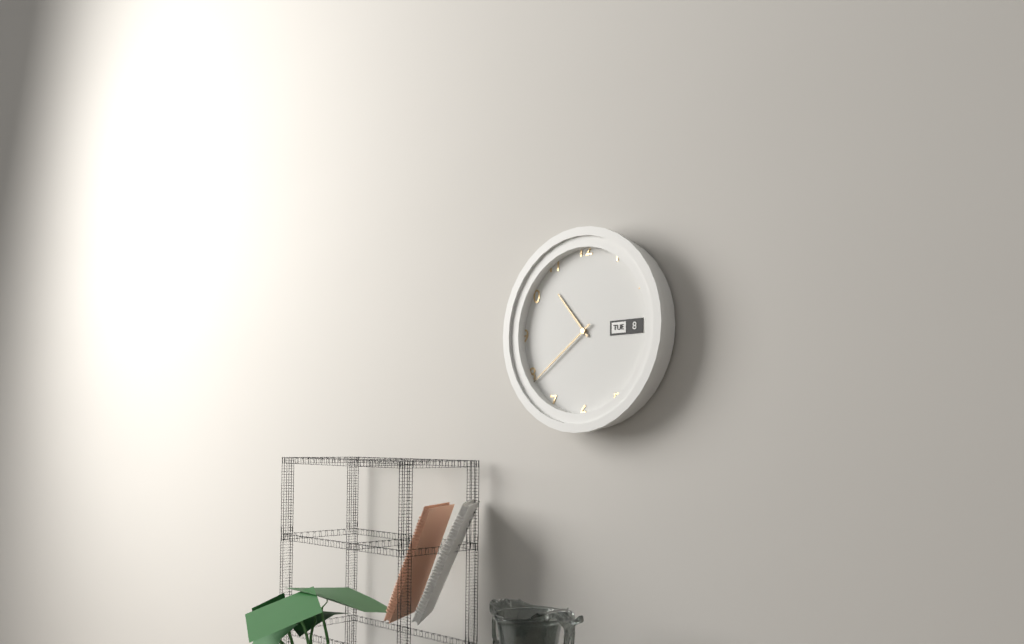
10,39
